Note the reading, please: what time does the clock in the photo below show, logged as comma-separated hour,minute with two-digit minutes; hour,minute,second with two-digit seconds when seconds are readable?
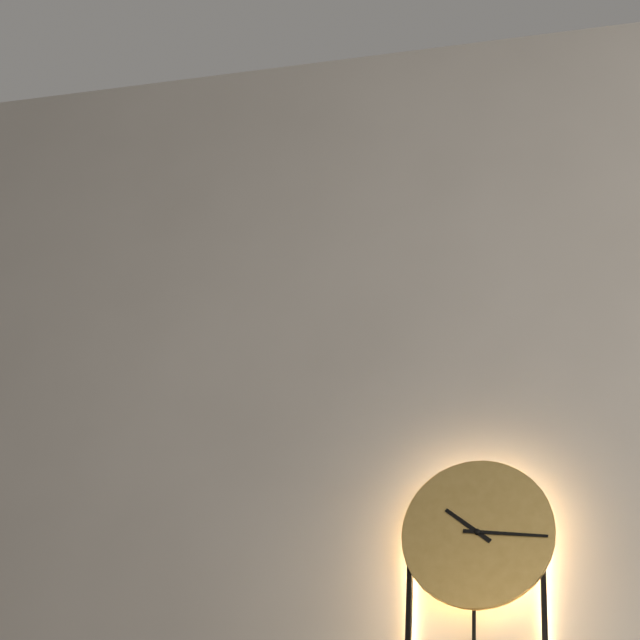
10,16
